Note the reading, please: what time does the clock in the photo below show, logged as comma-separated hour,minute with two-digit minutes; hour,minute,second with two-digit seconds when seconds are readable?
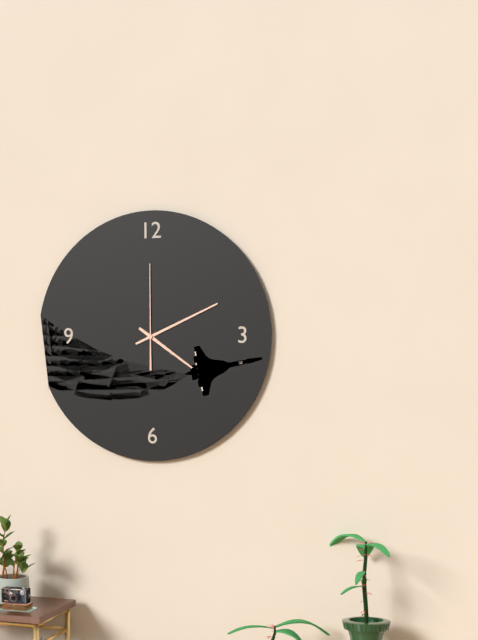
4,11,00
